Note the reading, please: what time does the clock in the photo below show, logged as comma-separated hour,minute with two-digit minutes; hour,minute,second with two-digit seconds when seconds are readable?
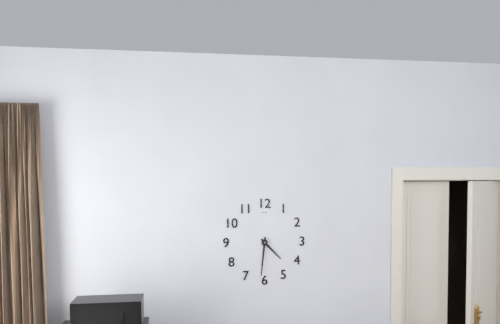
4,31
